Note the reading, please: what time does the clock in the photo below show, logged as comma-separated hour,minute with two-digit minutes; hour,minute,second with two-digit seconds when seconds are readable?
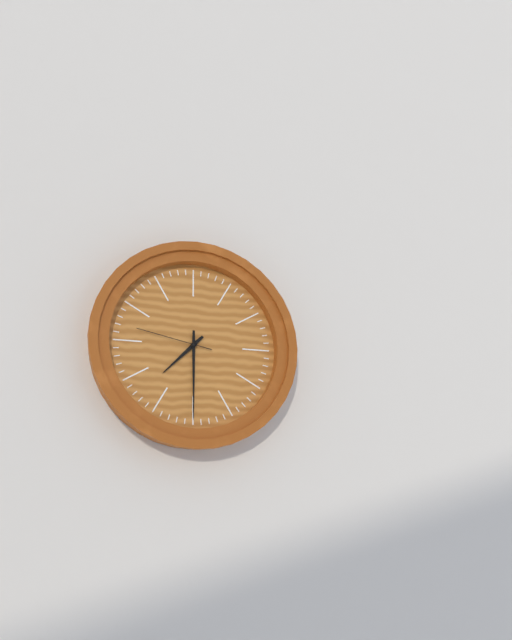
7,30,47
